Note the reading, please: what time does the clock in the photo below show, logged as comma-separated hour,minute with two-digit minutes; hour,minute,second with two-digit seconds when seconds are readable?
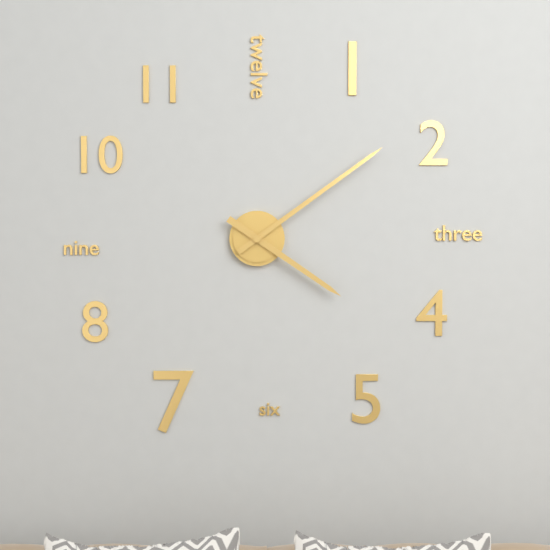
4,09
